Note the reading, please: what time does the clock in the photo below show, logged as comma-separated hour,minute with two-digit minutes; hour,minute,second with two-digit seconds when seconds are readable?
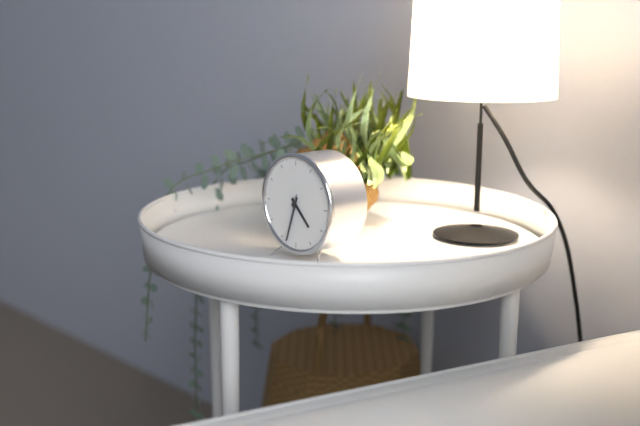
4,33
